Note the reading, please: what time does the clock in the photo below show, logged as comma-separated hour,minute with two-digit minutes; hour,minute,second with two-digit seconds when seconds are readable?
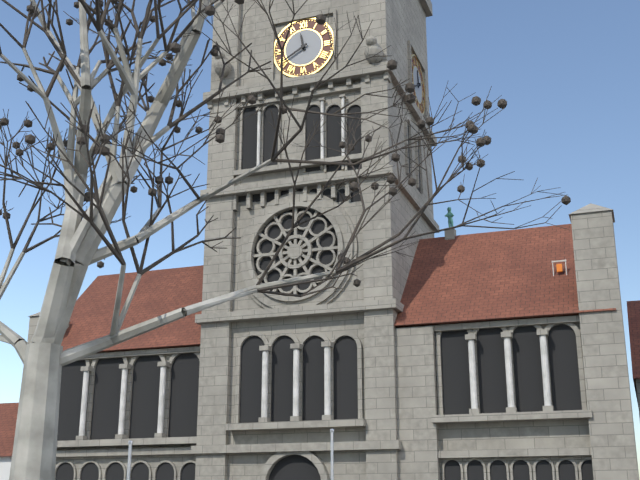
11,40
